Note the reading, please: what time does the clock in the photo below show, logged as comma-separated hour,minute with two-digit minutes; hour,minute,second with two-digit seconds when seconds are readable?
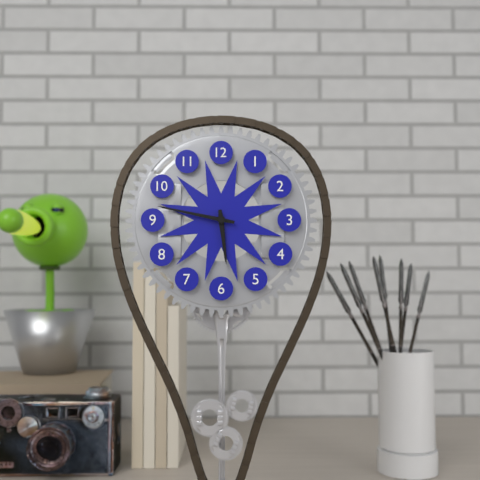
5,47
